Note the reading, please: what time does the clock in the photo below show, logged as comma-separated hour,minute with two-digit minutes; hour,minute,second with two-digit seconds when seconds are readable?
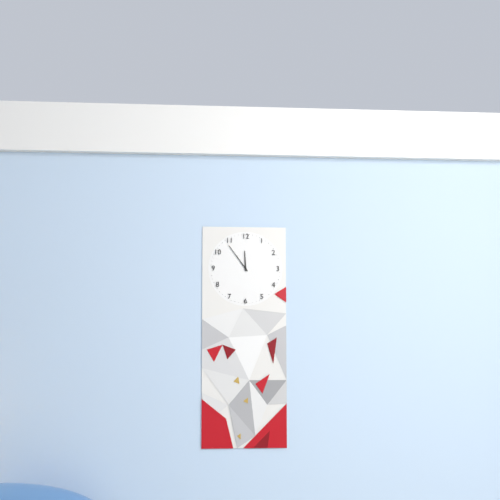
11,54
